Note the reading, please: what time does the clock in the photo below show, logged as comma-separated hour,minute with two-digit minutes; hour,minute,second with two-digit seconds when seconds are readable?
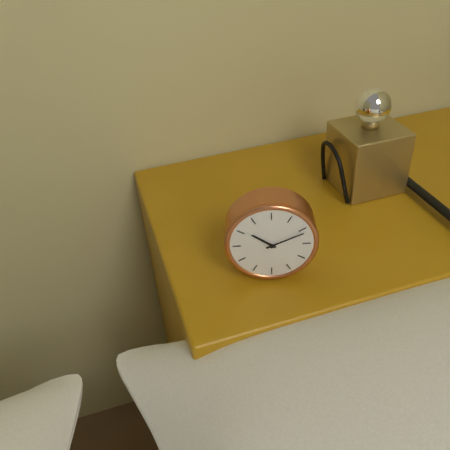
10,11
